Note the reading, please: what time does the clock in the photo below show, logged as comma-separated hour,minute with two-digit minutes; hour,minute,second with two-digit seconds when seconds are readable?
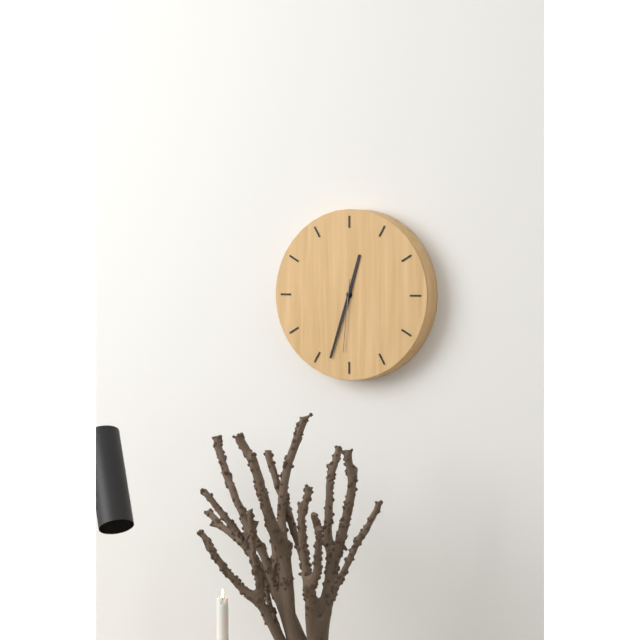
12,33,31
